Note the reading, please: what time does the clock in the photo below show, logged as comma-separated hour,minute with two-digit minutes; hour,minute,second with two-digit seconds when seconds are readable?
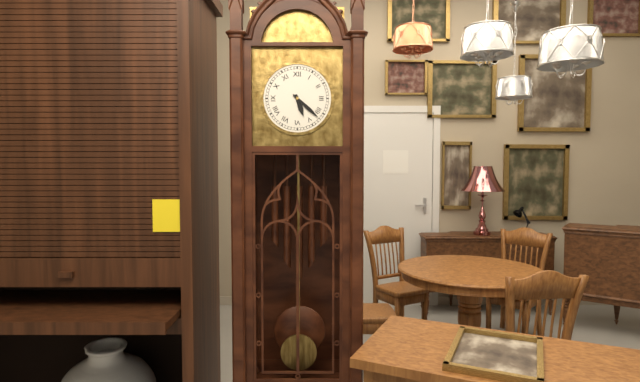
5,22
